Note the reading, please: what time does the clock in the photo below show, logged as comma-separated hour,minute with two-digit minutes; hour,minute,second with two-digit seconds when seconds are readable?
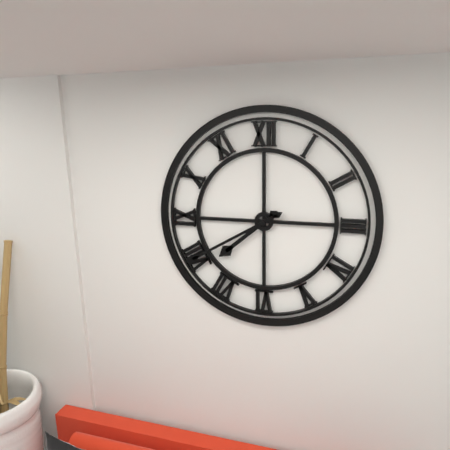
7,40
